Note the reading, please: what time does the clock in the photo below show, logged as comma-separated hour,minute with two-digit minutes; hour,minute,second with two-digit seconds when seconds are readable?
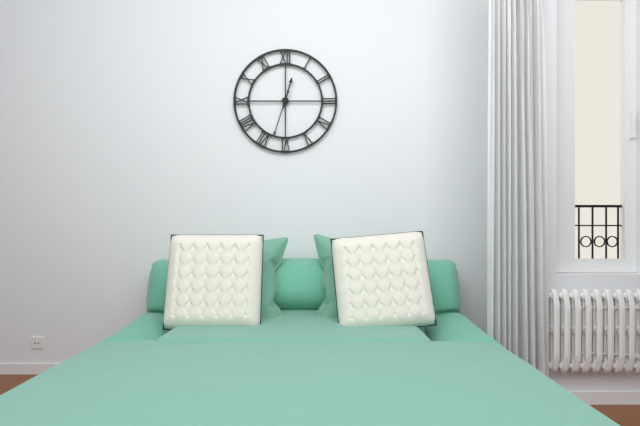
12,33
